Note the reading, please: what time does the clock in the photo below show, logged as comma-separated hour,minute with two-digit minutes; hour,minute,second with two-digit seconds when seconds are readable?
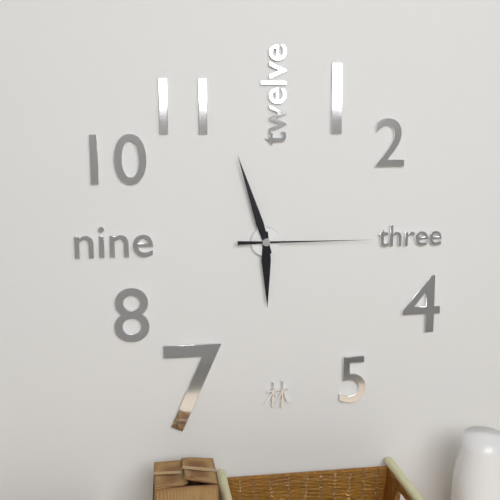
5,57,15
